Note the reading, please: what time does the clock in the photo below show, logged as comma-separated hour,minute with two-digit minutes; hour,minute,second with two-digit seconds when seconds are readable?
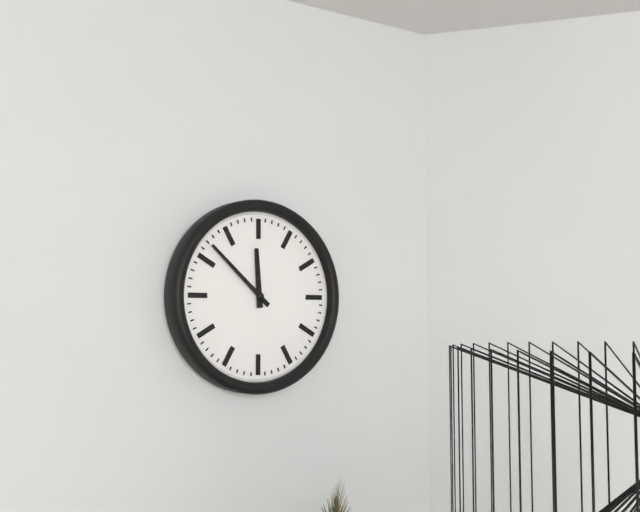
11,52
